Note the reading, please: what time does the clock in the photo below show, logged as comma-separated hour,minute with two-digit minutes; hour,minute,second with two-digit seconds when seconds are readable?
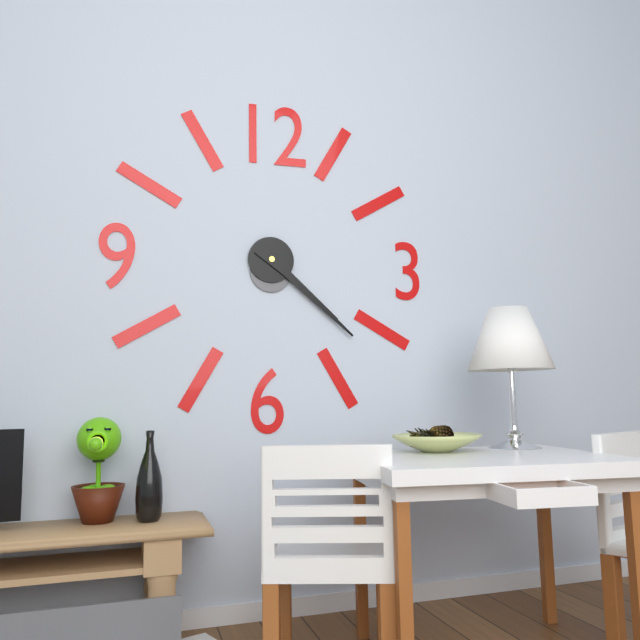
4,22
